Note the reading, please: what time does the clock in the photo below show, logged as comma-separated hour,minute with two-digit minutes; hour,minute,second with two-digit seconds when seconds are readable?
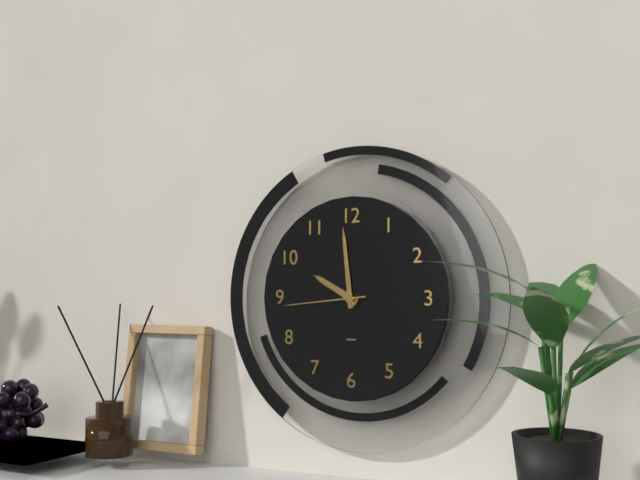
9,59,44
